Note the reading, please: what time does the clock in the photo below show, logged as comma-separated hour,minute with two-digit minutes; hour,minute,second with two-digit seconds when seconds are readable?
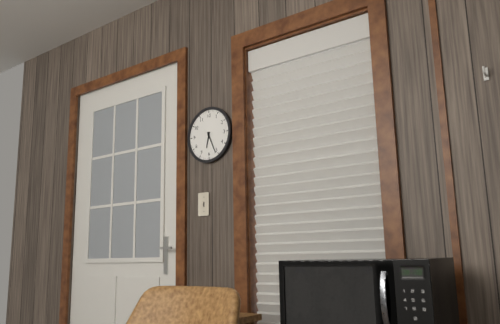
6,26
